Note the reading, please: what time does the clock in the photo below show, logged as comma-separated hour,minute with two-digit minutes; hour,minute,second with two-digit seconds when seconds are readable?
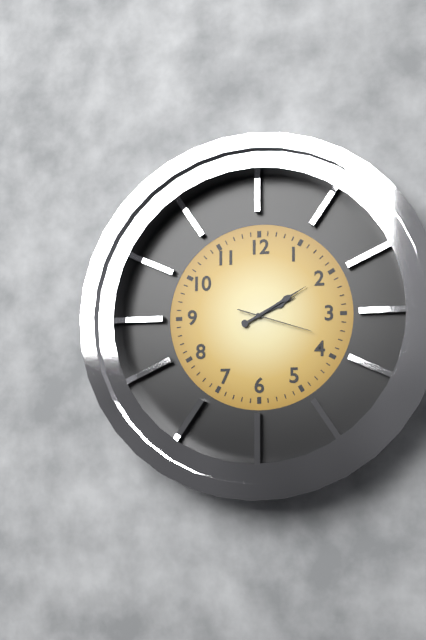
2,10,18
